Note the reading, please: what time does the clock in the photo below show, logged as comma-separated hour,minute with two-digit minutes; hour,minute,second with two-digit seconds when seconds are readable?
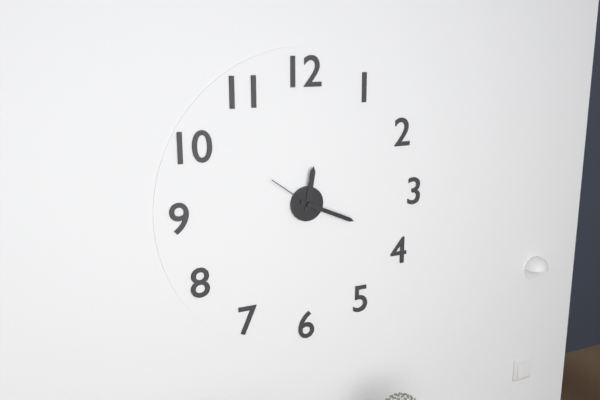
12,19,51
